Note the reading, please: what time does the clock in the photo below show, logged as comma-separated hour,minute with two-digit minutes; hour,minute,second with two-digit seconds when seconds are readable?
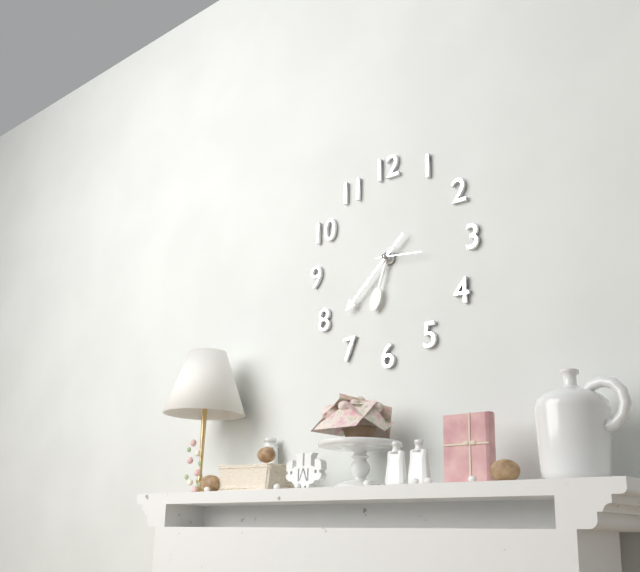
6,38
